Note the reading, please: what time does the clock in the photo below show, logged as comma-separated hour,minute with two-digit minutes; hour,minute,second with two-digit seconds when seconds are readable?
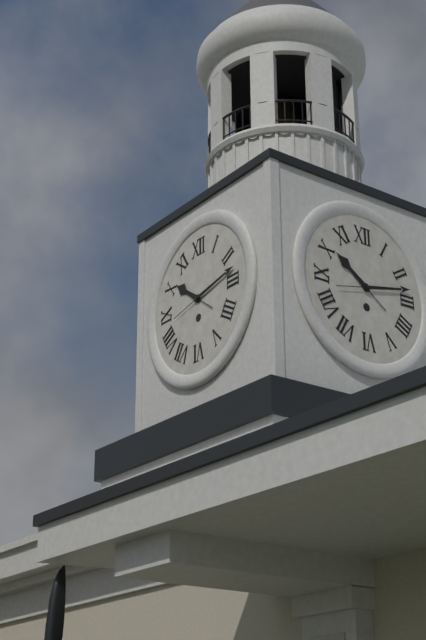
10,13
